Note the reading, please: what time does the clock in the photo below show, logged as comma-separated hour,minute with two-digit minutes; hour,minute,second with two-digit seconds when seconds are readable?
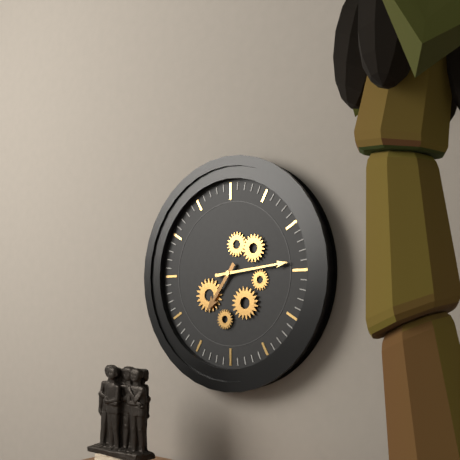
7,14
